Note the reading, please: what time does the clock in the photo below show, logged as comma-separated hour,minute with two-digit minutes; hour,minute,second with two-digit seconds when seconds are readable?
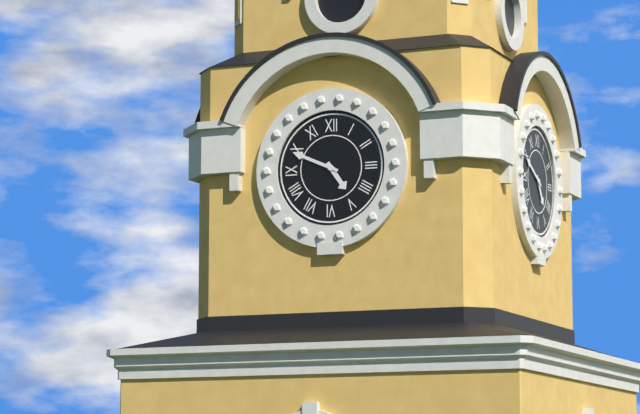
4,49
